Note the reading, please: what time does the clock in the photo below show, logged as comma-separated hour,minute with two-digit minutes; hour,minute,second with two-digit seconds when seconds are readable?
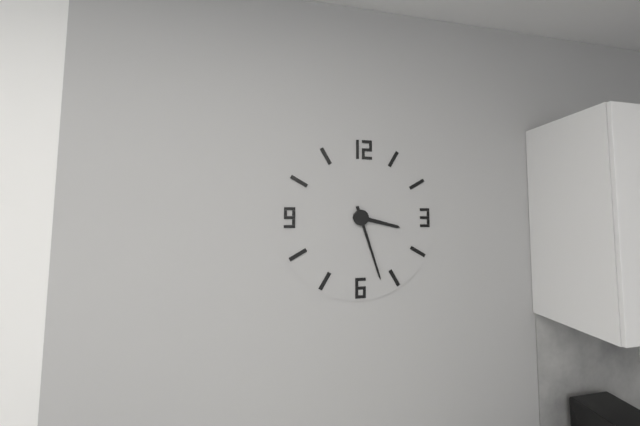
3,27
